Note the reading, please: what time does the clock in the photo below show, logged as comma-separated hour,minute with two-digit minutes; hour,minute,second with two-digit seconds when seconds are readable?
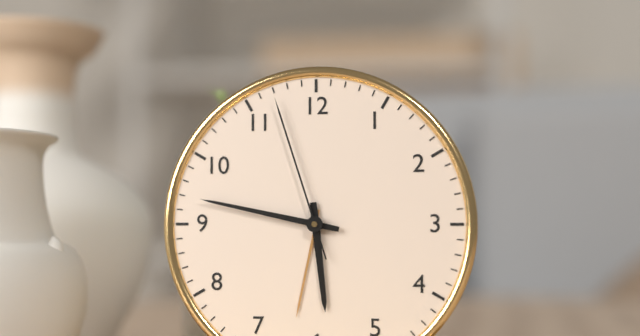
5,47,57
